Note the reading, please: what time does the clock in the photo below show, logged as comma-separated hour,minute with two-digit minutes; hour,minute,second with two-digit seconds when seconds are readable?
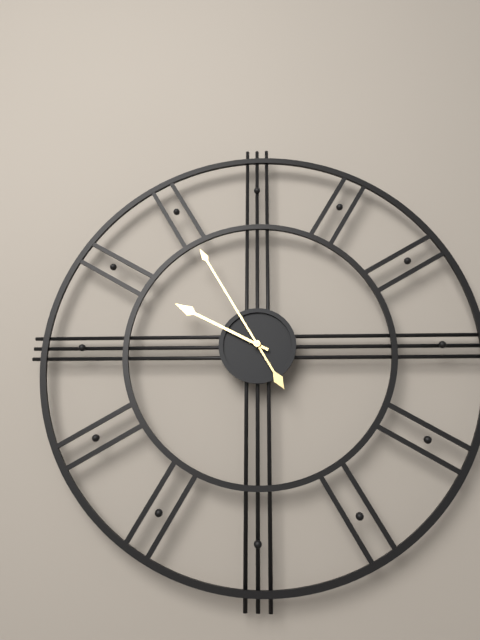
9,55
